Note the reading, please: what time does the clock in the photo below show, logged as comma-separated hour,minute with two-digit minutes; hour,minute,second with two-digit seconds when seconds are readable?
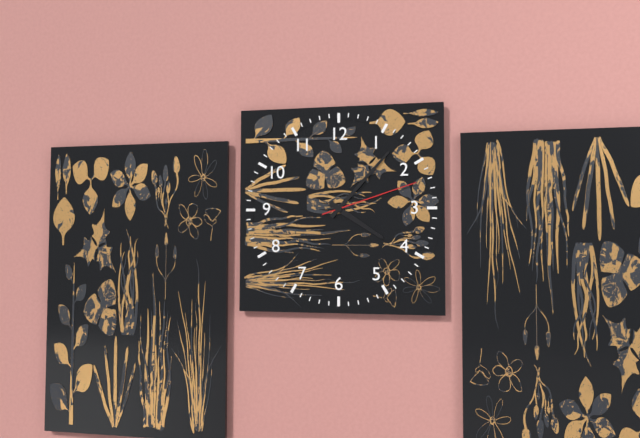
4,07,12
